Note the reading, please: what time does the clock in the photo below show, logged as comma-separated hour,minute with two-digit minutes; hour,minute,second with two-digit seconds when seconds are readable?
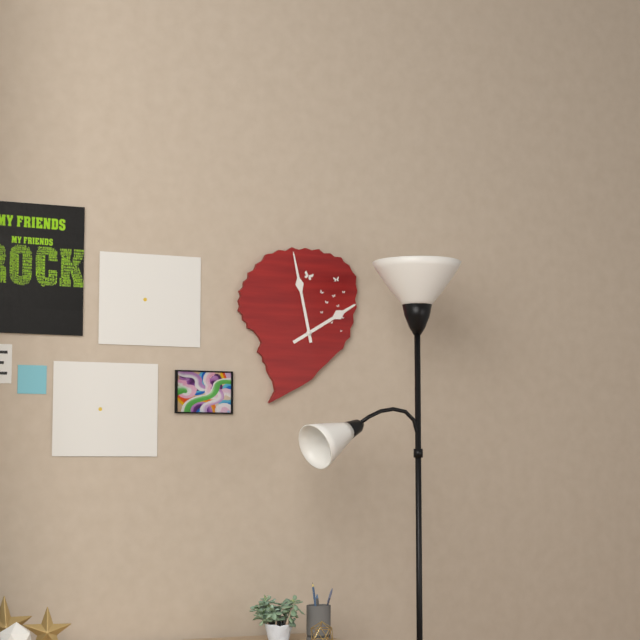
1,58
